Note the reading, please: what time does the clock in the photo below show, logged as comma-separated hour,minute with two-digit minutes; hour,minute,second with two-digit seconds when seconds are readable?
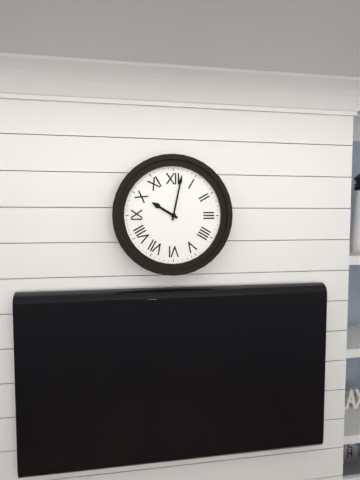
10,02
